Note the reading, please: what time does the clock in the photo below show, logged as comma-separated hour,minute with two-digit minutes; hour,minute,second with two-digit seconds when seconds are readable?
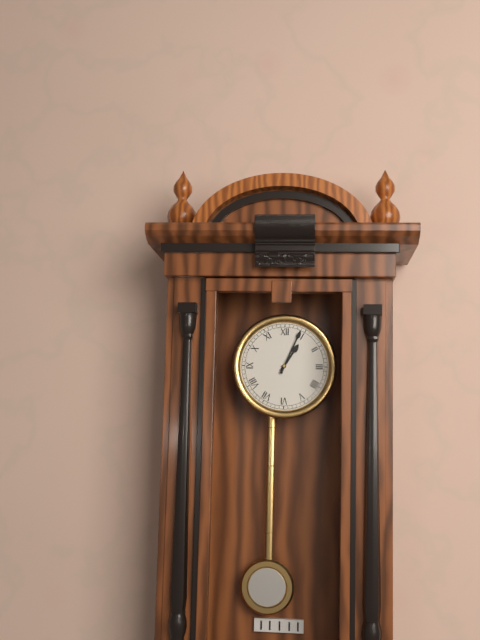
1,04
